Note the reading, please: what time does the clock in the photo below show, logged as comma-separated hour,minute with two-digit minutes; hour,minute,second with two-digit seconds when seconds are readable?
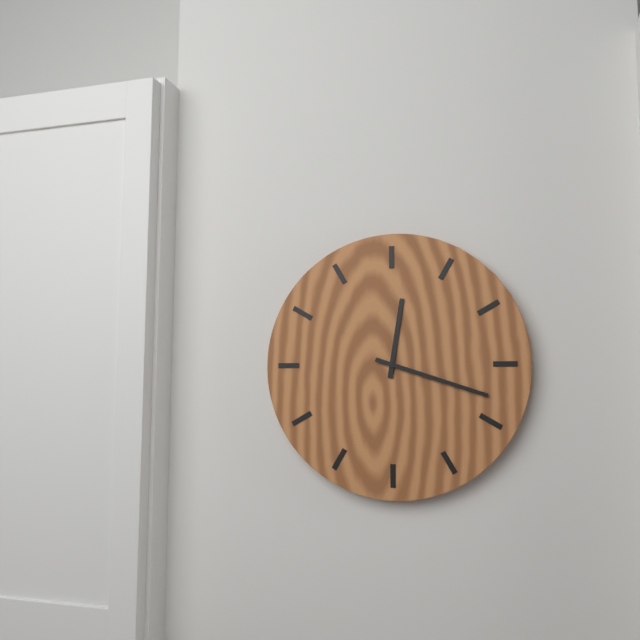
12,18
